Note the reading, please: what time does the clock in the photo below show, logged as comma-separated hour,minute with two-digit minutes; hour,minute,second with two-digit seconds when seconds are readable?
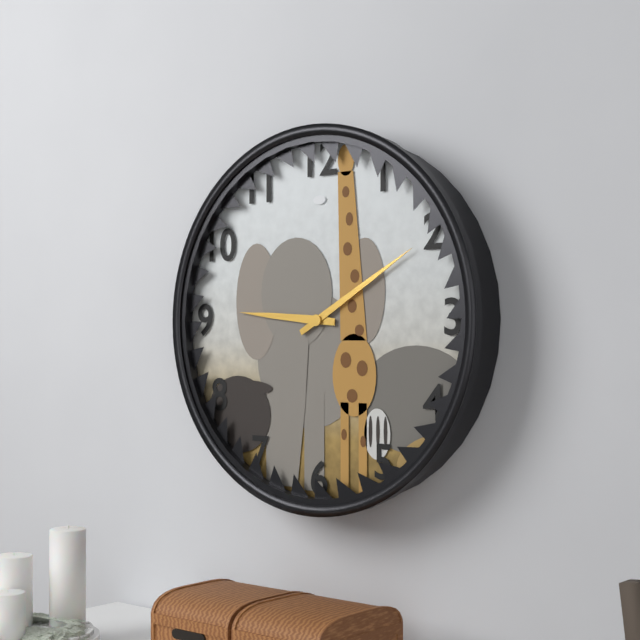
9,10
